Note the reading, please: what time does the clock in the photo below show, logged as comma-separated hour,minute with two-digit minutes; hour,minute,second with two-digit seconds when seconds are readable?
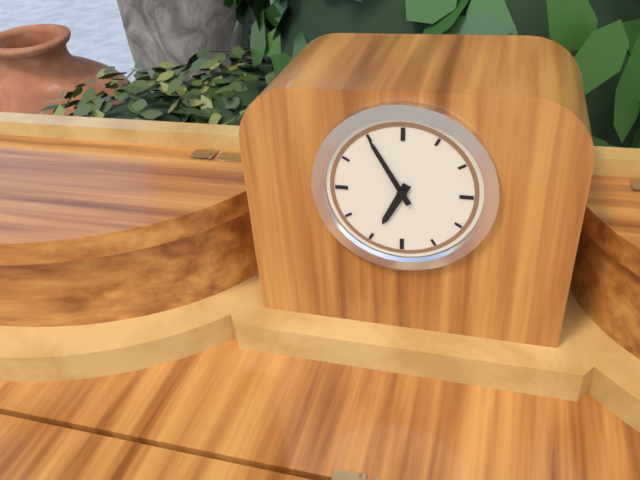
6,55
